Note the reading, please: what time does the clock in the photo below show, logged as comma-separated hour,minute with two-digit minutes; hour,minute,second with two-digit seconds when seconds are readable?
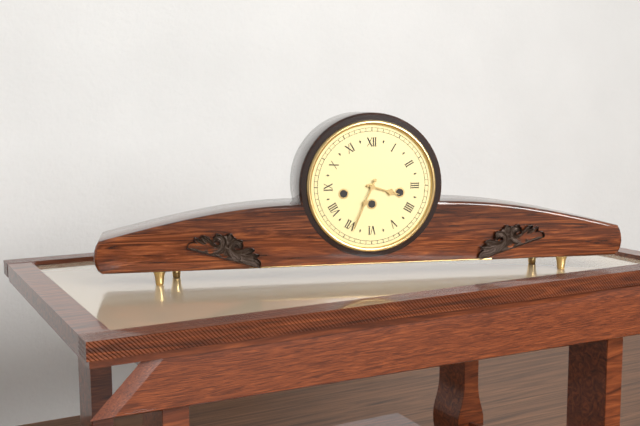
3,34
